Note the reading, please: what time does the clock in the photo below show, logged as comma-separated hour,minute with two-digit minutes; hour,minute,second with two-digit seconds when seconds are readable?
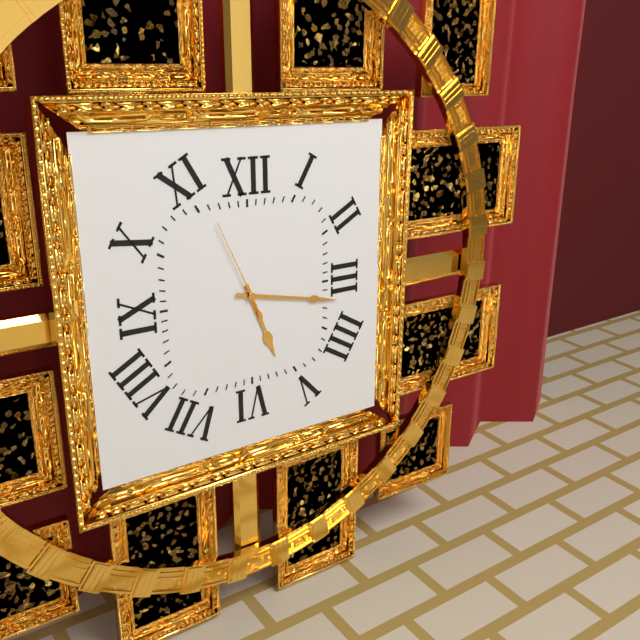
5,17,56
